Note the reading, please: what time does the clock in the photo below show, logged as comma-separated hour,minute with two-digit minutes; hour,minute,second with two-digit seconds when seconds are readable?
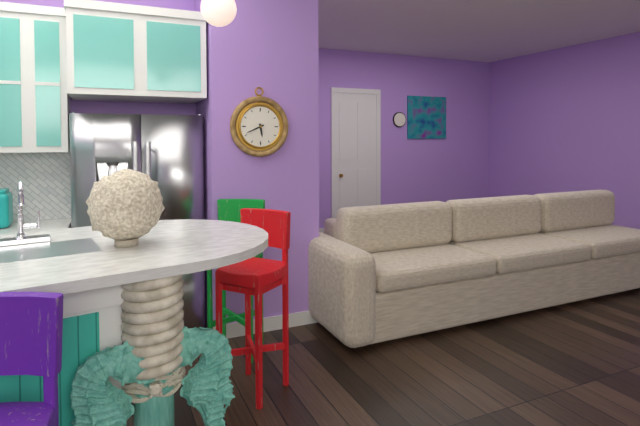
5,41
